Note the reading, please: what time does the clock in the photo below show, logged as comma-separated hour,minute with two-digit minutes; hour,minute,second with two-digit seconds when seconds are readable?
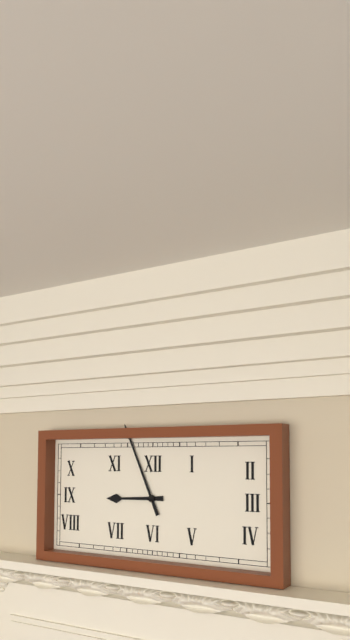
8,56
